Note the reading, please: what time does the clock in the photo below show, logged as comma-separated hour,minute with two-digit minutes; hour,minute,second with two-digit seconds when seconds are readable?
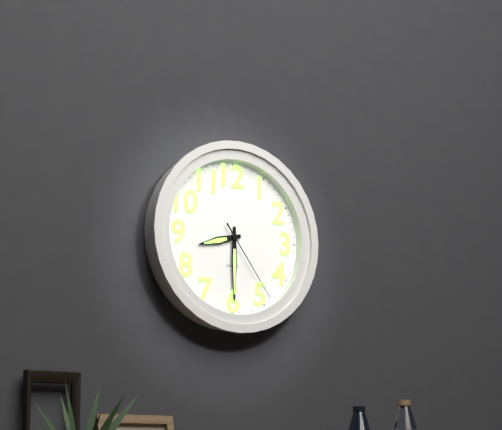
8,30,24
